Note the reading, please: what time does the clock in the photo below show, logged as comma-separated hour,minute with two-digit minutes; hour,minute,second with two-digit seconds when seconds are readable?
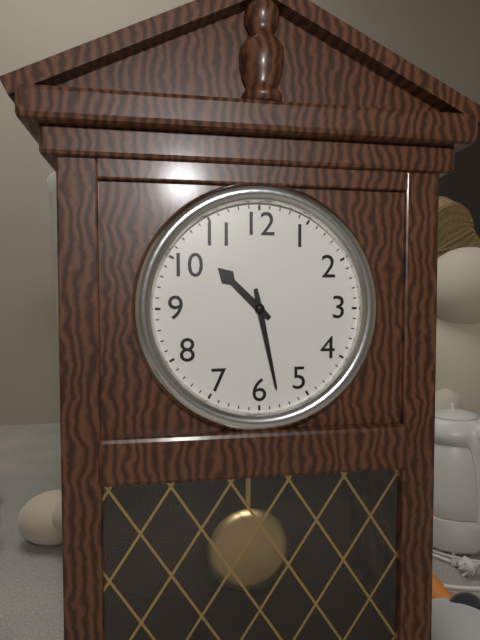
10,28
